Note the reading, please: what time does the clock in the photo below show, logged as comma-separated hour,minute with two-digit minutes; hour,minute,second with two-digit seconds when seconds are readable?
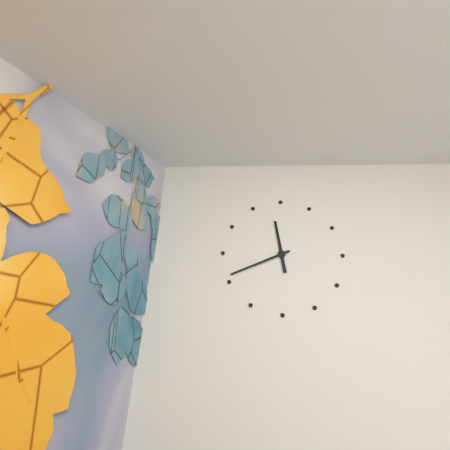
11,41
